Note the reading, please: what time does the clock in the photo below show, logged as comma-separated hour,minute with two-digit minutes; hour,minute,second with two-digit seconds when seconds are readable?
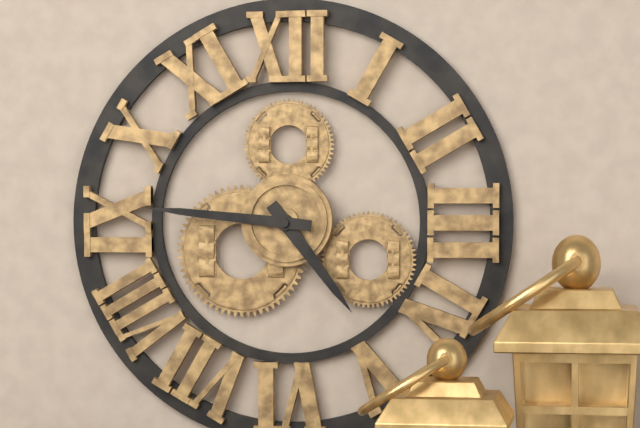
4,46
